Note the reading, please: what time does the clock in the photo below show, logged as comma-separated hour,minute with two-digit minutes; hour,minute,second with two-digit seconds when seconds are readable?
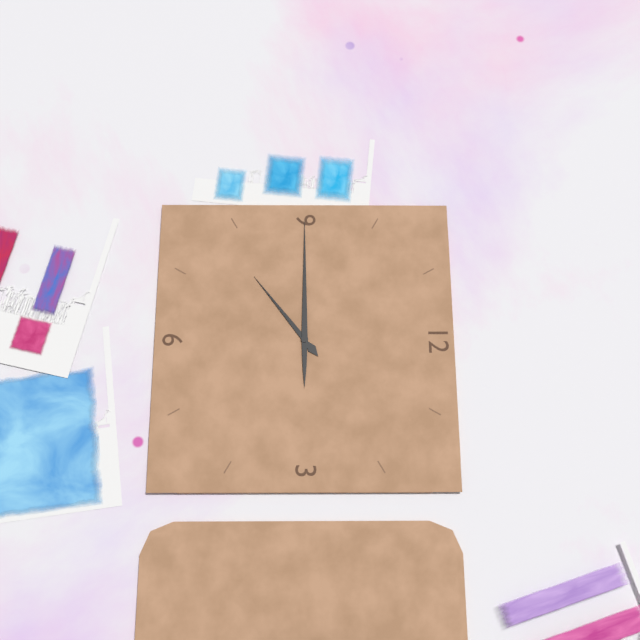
7,45
